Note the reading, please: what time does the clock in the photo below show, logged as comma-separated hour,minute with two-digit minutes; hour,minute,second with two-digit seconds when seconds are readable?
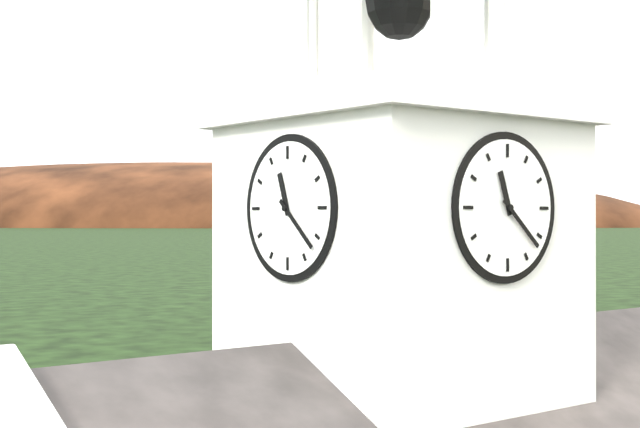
11,22
